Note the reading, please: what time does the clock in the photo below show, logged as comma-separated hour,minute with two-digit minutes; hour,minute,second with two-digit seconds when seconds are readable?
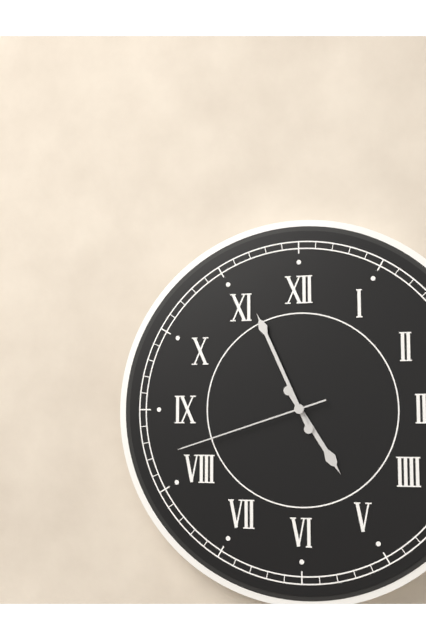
4,56,42
